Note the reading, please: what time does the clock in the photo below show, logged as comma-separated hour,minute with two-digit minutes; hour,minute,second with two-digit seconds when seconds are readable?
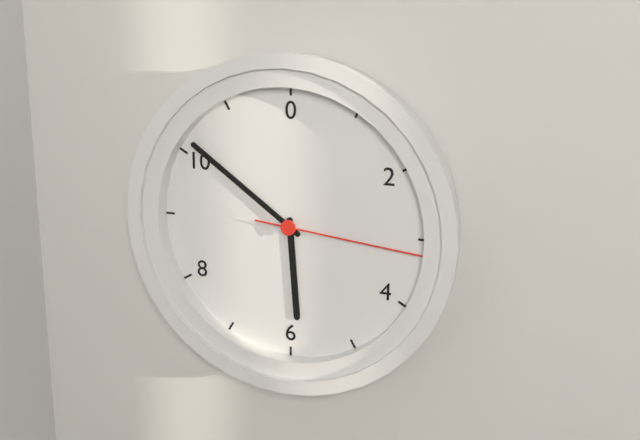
5,51,16
